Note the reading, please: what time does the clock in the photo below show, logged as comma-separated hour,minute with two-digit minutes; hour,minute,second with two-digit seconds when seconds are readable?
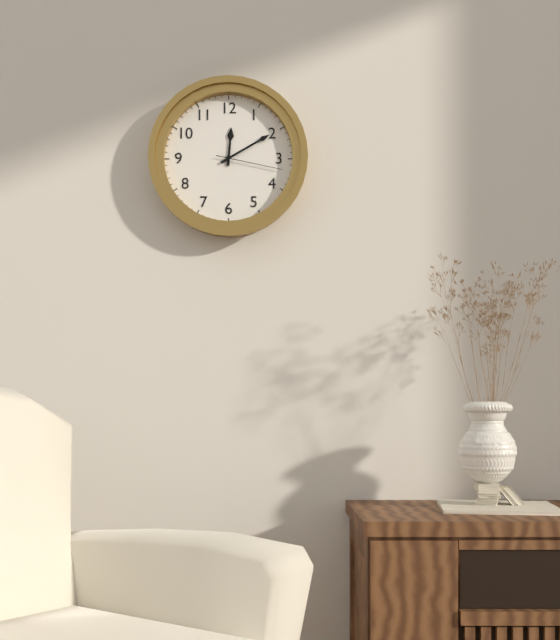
12,10,17
